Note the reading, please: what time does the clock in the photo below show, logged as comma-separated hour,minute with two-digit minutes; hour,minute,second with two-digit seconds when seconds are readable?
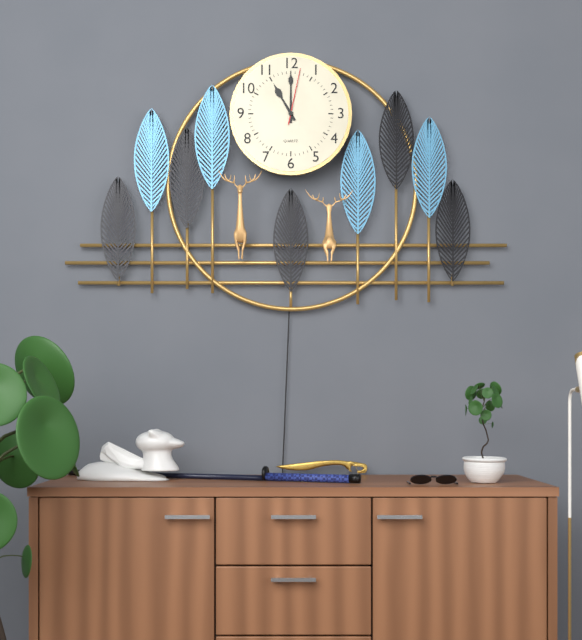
11,00,02
